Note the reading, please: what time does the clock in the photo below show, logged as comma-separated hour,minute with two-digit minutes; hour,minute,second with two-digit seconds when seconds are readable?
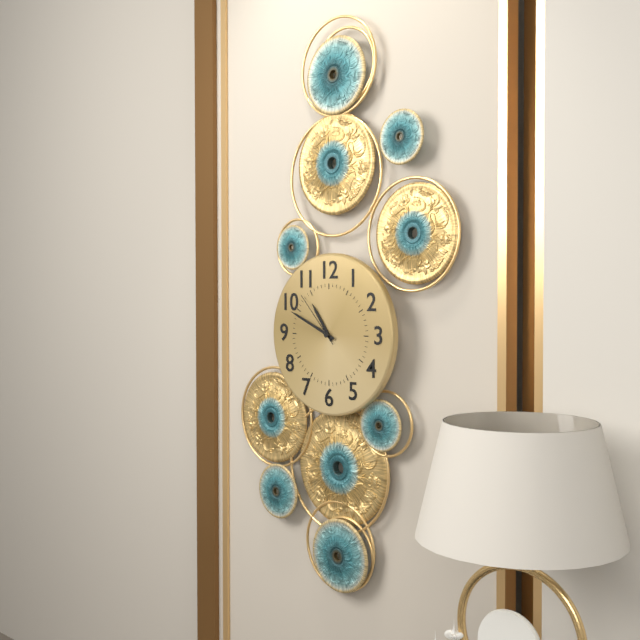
10,49,53
